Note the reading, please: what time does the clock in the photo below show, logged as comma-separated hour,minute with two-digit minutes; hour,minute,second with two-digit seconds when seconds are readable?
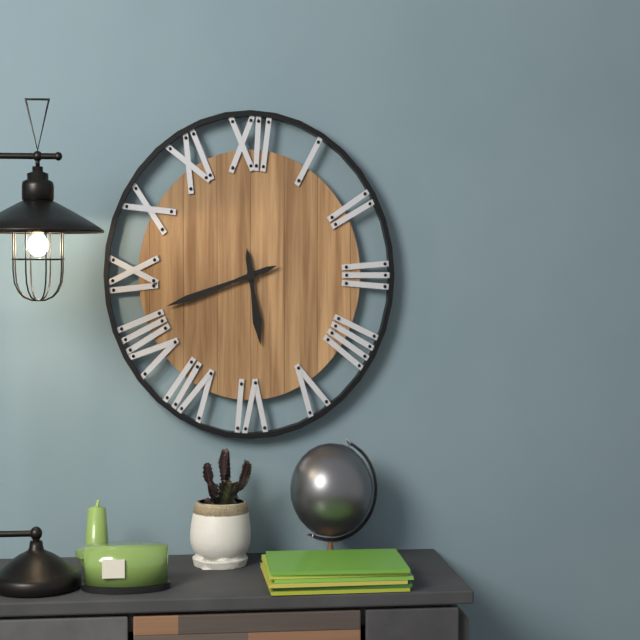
5,42
